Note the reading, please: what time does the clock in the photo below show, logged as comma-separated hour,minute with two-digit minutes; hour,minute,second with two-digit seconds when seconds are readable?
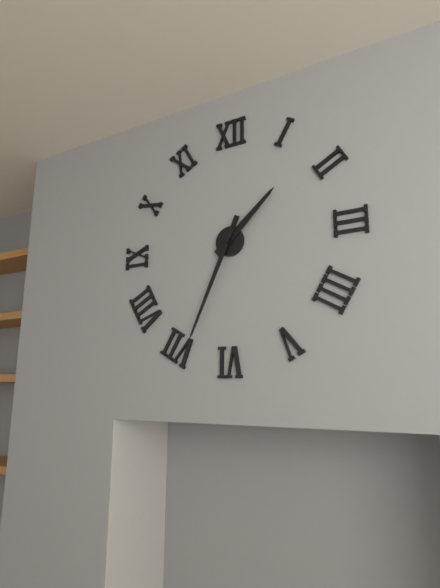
1,34
